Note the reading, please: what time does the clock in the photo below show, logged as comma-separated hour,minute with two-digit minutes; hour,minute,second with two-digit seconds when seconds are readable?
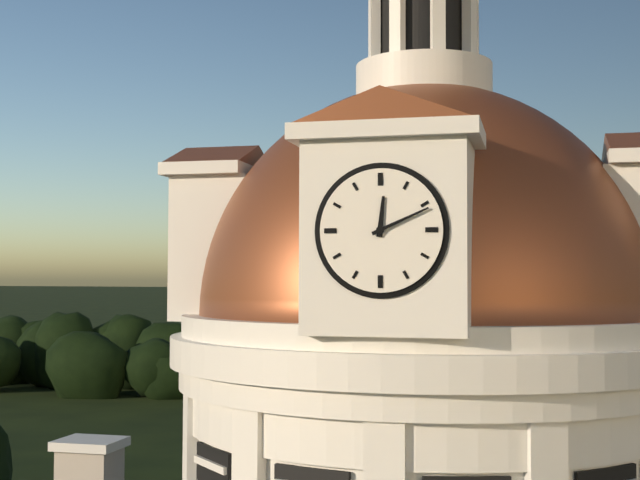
12,11
